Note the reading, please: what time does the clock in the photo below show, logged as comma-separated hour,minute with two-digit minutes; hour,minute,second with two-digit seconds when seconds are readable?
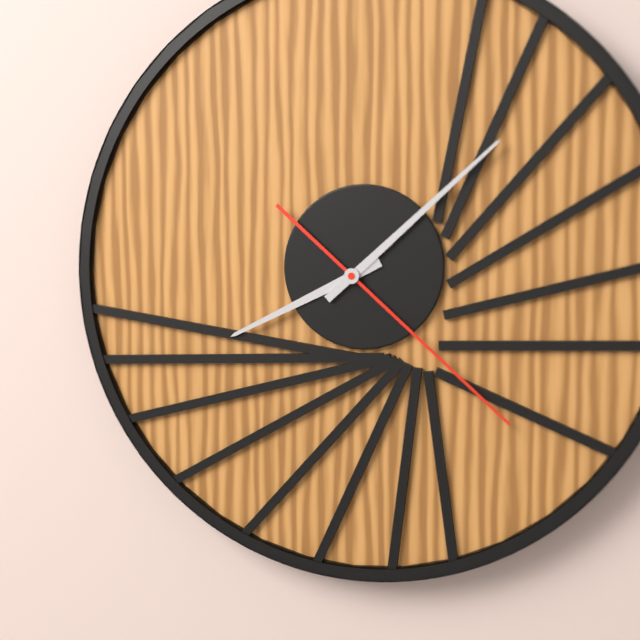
8,08,22
